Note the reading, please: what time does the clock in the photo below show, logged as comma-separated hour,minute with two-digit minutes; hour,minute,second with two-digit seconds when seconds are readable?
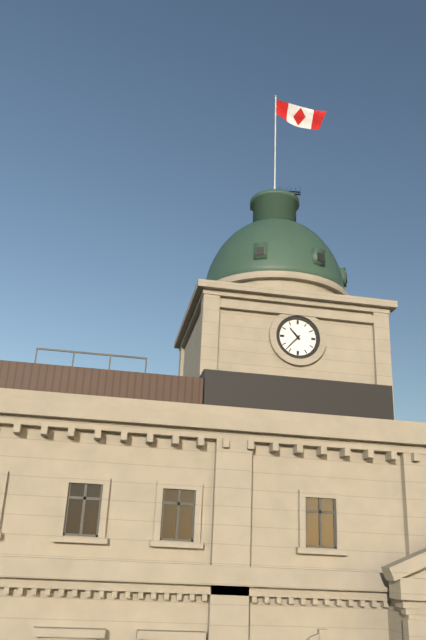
10,37
